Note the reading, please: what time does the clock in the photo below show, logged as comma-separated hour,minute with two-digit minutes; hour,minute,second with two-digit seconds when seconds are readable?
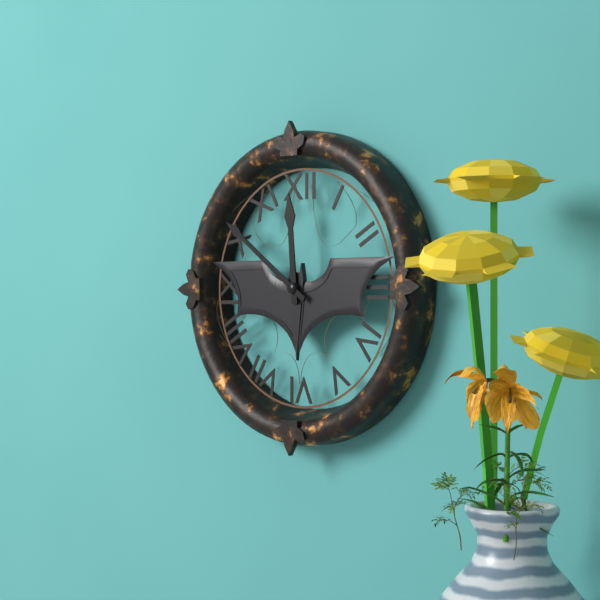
11,51
